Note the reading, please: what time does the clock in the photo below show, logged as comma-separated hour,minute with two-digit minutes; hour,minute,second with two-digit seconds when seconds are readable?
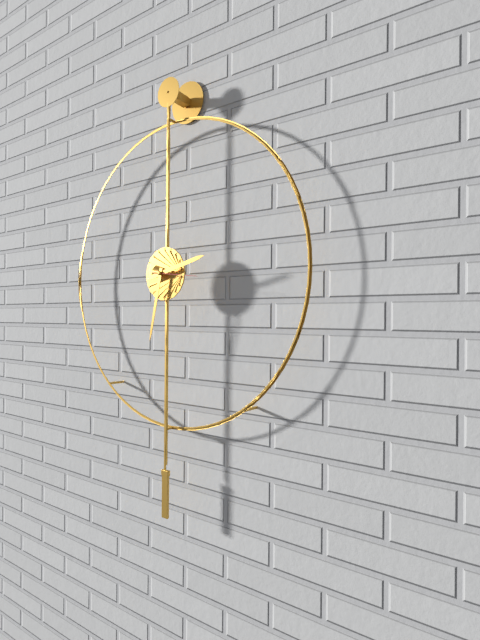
2,32
